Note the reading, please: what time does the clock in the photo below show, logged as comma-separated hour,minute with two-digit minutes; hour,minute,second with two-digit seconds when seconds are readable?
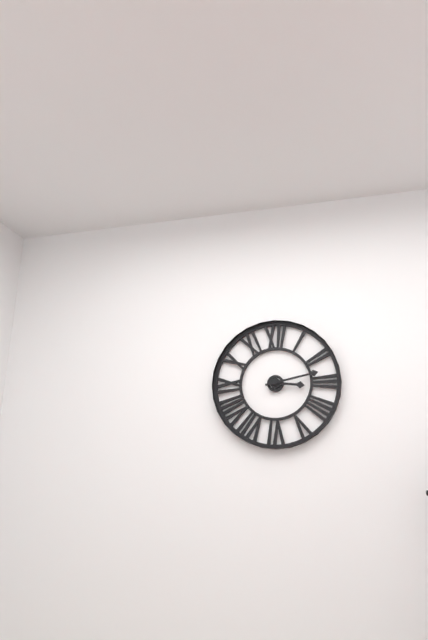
3,13
